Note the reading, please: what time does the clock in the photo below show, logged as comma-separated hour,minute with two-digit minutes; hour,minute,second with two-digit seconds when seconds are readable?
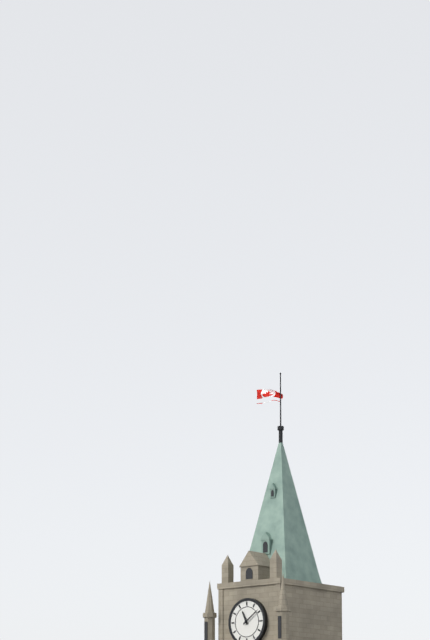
11,09
